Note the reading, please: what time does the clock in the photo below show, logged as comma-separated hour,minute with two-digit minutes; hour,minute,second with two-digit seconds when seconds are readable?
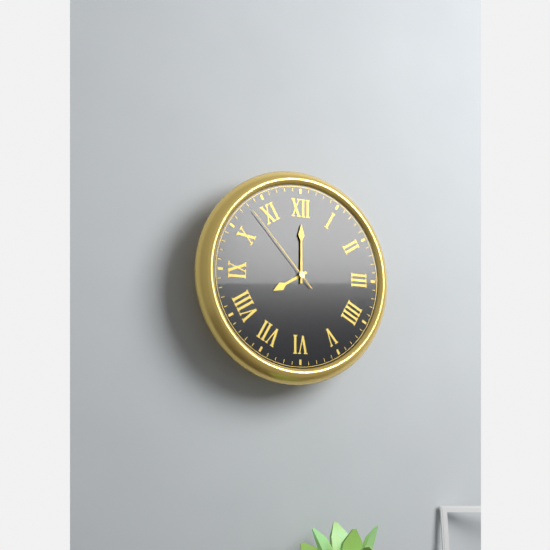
8,00,53
